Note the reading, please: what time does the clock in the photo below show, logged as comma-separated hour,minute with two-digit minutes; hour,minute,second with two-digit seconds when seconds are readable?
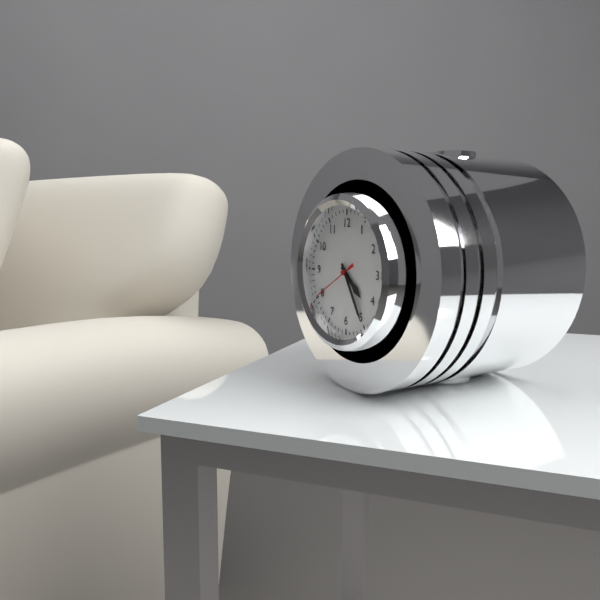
4,25
